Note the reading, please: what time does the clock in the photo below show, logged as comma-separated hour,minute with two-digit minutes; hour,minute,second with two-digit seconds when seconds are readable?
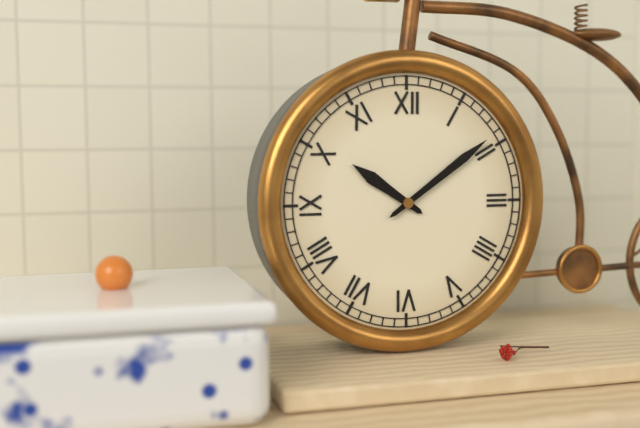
10,09
